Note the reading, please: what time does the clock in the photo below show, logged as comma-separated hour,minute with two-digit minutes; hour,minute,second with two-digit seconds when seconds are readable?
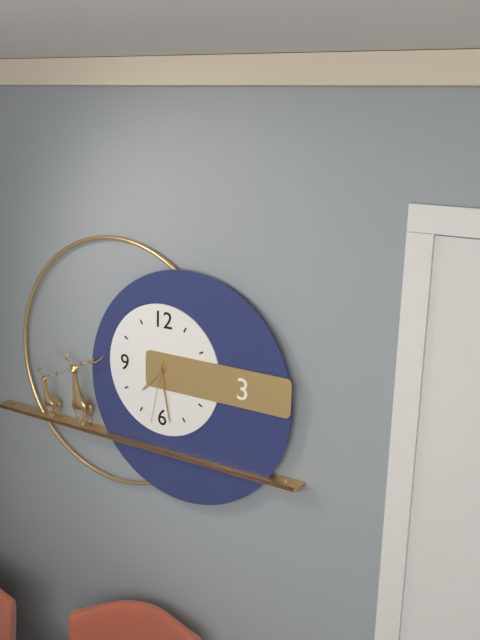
7,28,32
